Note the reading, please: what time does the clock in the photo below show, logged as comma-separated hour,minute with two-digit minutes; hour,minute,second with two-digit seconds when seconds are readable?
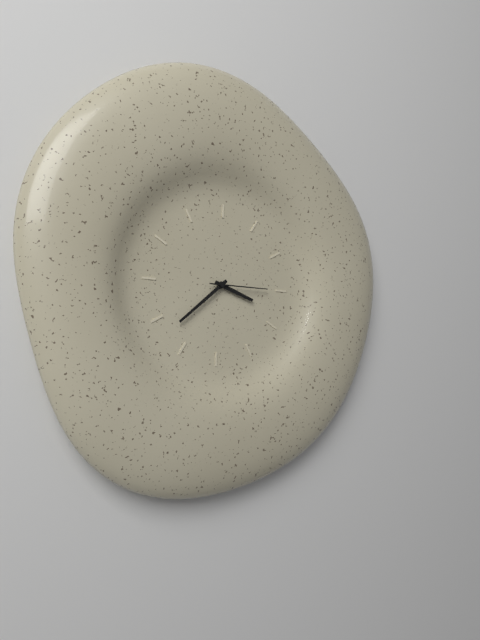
3,38,15
